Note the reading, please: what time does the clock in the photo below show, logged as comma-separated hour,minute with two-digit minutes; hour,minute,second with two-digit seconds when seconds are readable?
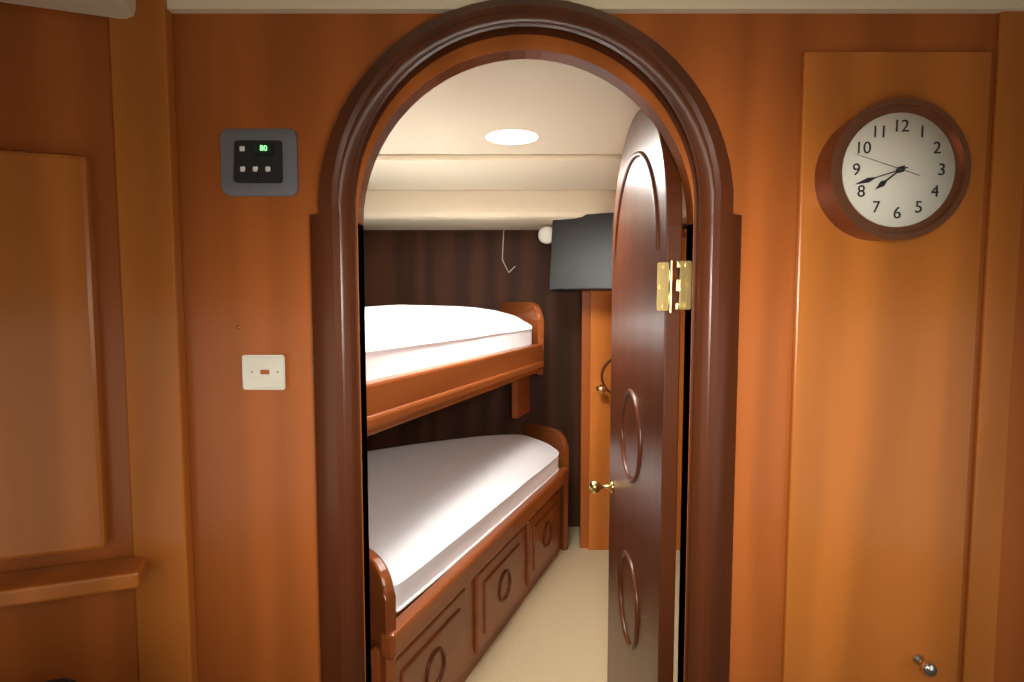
7,42,48
